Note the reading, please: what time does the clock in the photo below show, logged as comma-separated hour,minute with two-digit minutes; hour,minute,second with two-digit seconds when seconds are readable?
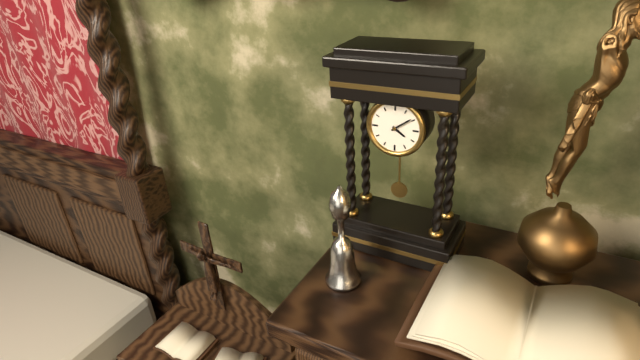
4,09
